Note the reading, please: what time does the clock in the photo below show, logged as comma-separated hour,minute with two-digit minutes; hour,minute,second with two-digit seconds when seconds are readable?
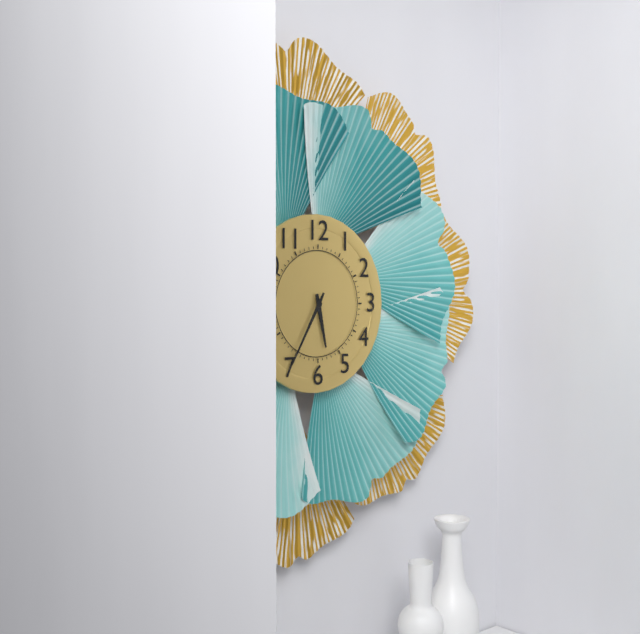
5,35
